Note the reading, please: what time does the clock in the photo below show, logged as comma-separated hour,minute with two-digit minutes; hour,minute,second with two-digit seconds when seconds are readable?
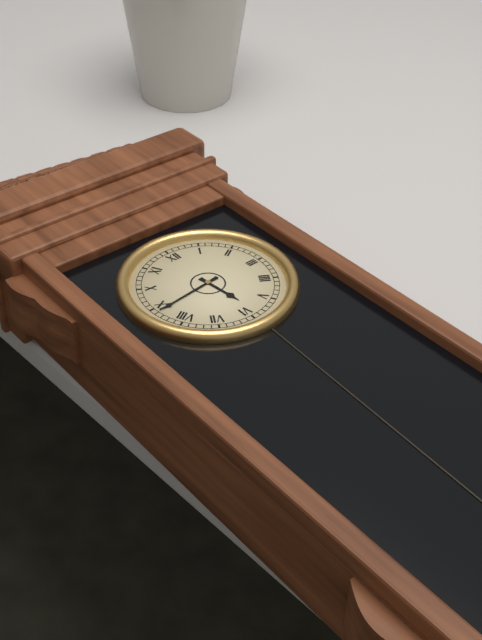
5,44
